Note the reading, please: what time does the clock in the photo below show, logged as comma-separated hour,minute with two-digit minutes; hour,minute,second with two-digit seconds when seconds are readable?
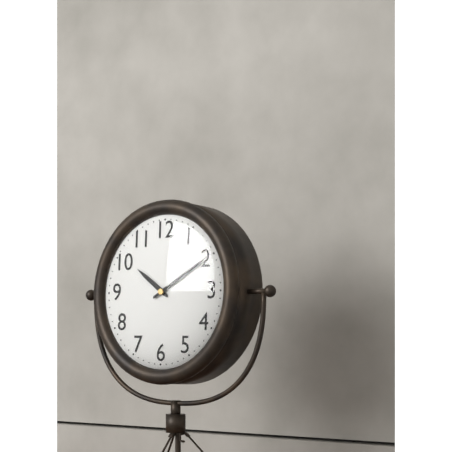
10,10
